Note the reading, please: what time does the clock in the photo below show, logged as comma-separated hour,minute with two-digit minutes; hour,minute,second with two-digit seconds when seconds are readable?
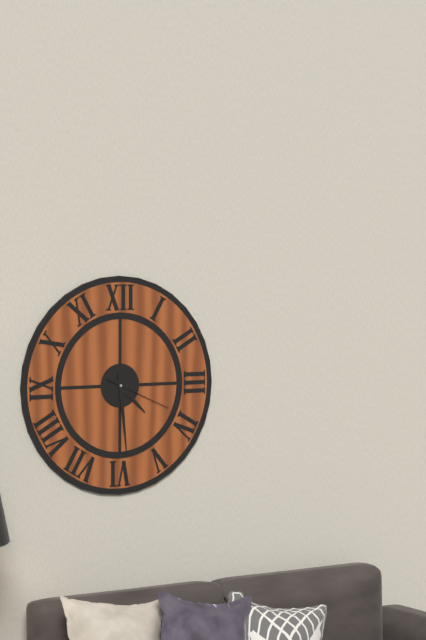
4,29,19
